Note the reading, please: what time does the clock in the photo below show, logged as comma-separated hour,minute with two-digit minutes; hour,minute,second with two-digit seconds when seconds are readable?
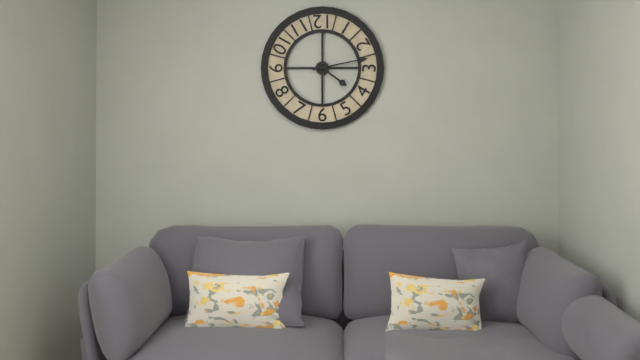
4,13
